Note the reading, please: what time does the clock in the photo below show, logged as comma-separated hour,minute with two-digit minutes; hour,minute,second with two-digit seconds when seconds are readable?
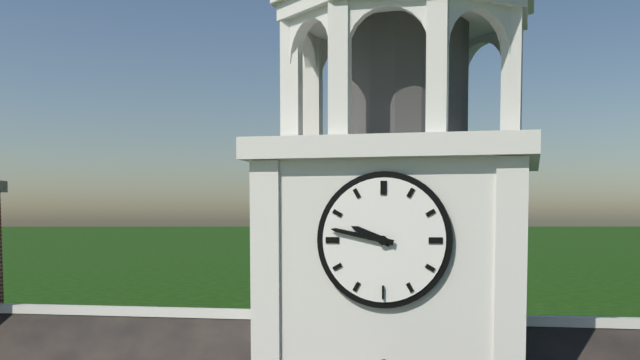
9,47
